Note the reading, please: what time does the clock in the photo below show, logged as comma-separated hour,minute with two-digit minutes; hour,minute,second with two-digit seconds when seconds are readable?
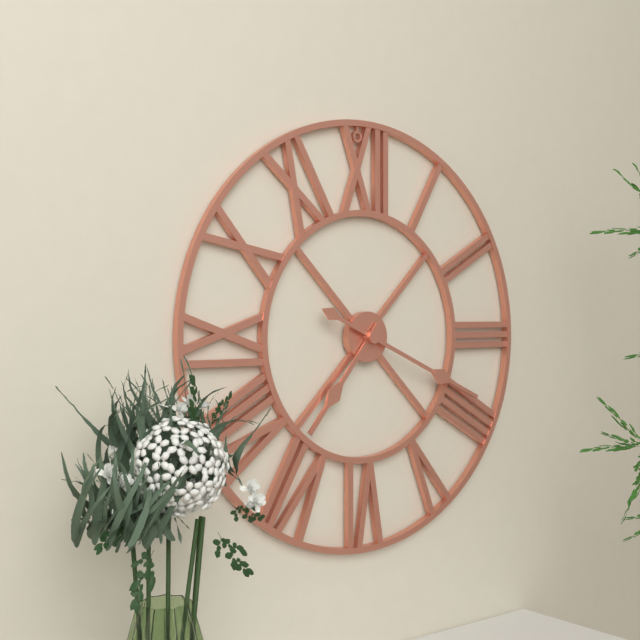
7,19
